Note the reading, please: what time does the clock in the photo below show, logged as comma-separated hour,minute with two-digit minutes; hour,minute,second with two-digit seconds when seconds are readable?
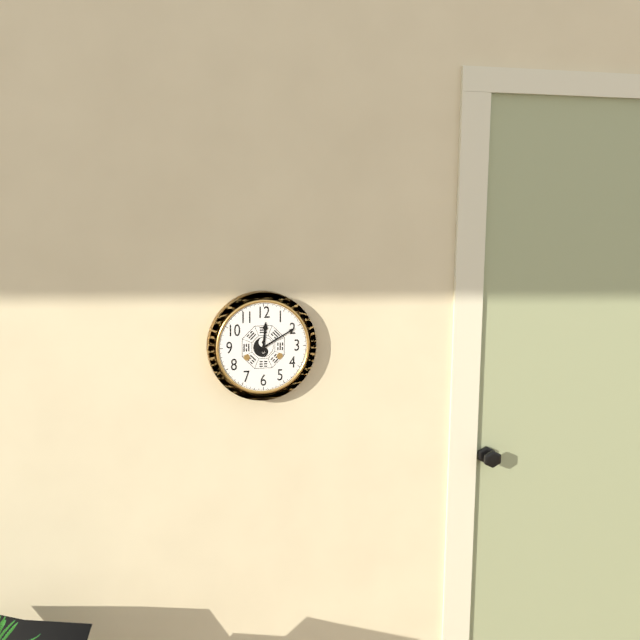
12,10
